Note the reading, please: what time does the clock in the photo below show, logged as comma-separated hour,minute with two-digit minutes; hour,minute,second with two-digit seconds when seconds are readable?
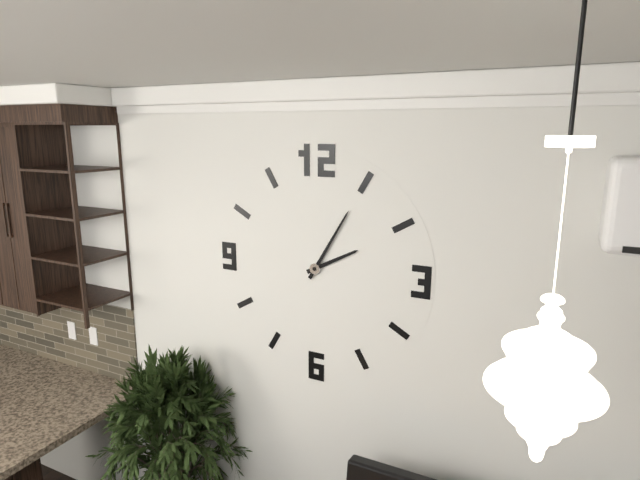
2,05
